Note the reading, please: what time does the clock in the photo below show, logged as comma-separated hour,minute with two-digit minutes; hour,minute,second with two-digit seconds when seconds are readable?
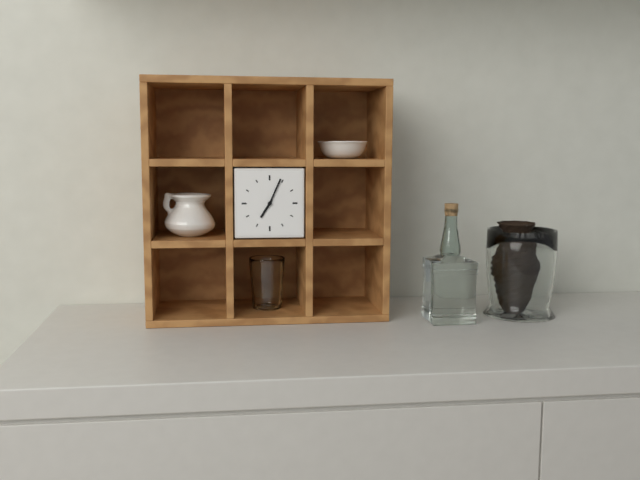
7,04
